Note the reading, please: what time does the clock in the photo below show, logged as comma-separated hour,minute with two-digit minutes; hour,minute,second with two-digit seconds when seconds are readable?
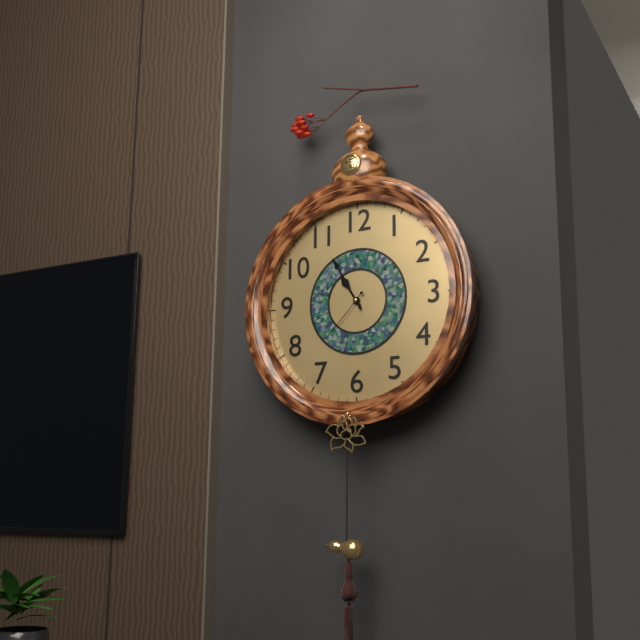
10,55,37
